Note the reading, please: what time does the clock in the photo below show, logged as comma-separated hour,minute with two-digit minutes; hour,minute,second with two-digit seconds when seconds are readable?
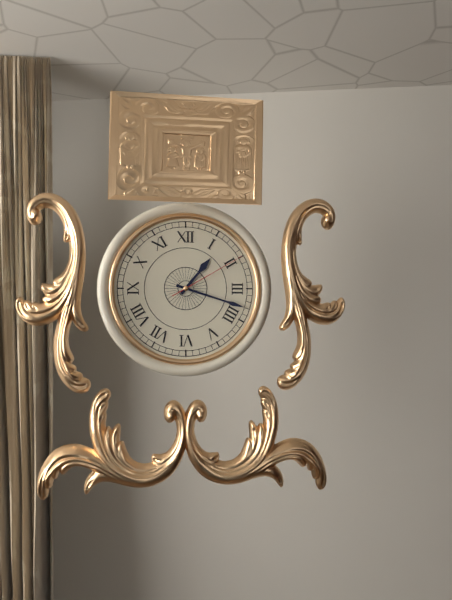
1,18,10
